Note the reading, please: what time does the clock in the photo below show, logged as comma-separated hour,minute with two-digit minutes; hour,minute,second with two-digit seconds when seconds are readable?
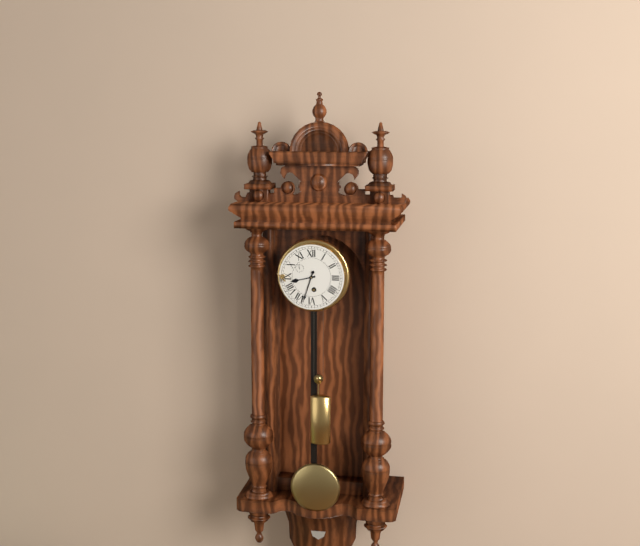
8,33
